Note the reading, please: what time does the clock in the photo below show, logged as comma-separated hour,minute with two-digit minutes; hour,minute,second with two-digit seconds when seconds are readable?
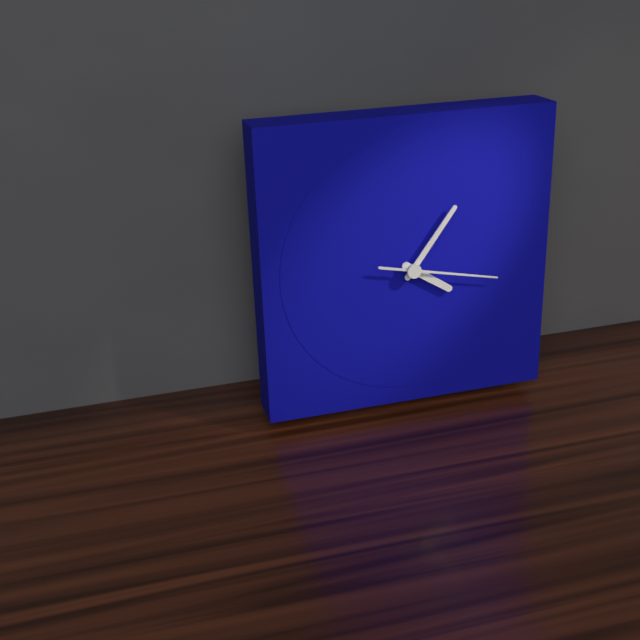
4,06,17
